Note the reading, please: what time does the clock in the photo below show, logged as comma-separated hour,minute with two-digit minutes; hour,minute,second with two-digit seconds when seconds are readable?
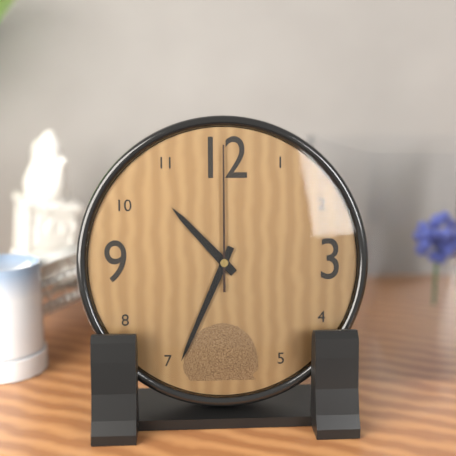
10,34,00
